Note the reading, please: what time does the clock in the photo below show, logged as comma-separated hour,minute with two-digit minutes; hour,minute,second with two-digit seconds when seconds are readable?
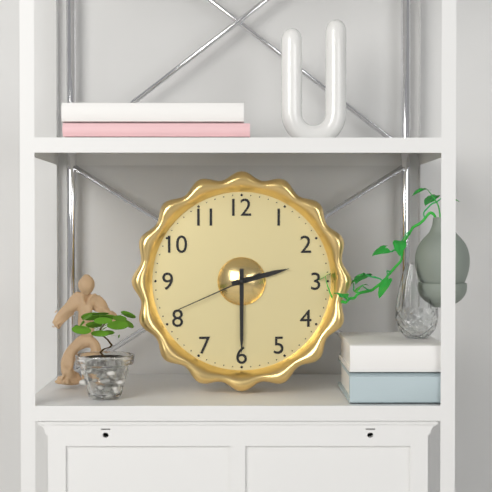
2,30,41
